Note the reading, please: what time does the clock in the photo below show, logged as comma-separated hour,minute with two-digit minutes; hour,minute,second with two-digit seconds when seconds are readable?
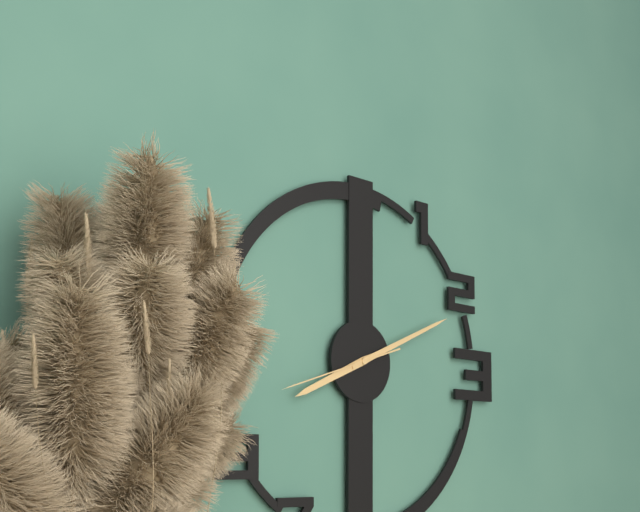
8,11,42
